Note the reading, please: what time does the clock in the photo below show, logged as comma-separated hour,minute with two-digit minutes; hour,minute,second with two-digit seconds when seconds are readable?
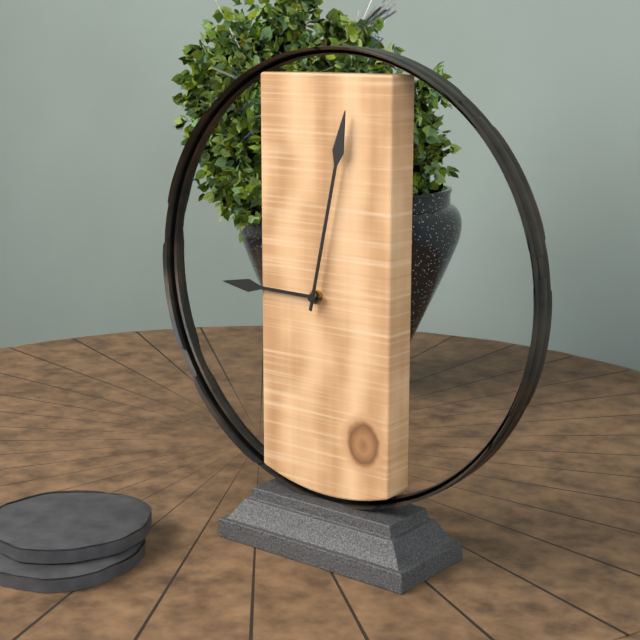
9,02
